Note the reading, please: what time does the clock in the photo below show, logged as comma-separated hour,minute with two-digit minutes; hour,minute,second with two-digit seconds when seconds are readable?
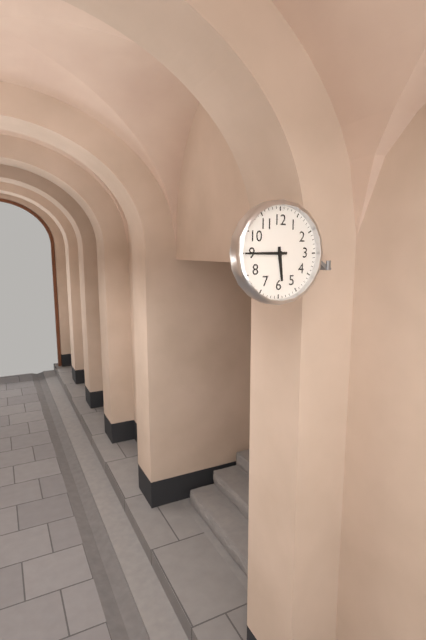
5,45
